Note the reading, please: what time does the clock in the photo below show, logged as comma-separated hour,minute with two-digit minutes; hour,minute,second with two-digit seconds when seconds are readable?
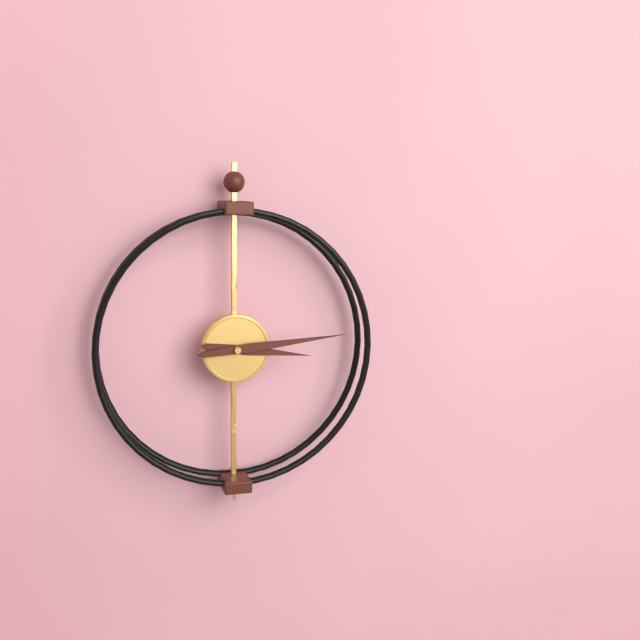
3,14
